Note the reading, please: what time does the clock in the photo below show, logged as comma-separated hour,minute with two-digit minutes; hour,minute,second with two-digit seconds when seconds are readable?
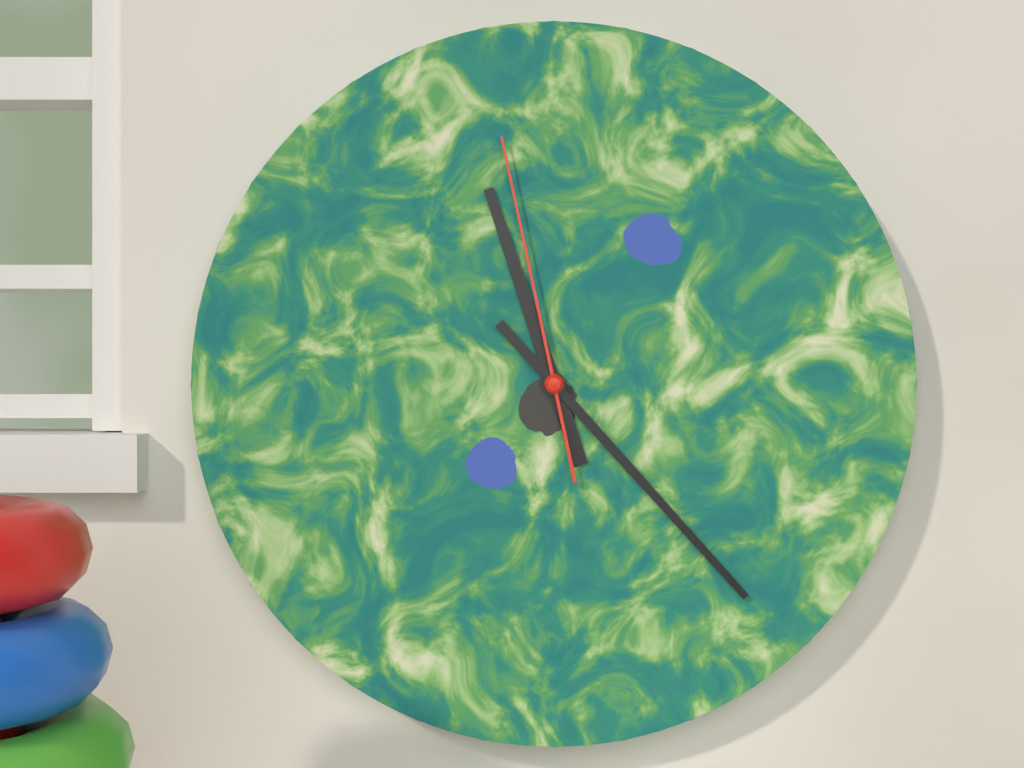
11,23,58
